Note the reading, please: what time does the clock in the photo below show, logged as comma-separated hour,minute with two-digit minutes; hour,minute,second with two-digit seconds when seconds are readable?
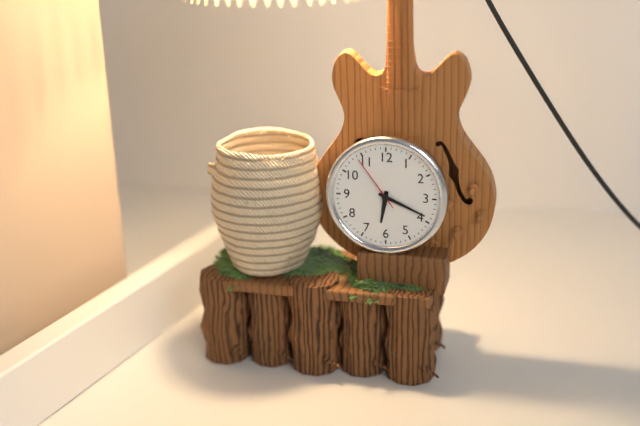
6,19,54
